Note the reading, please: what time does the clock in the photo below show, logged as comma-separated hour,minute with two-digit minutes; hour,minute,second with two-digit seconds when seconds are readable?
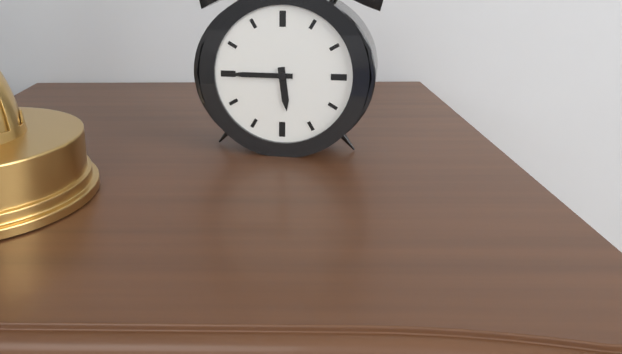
5,45
